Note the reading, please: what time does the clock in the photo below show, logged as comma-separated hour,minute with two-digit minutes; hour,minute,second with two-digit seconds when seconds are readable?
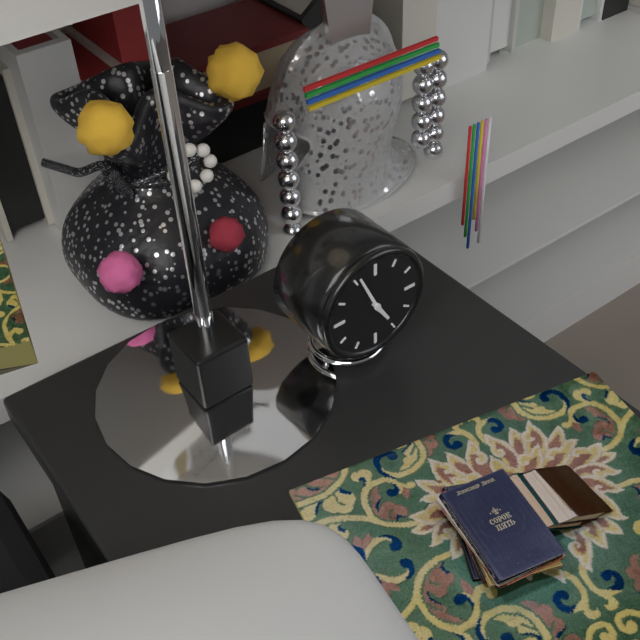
4,56
